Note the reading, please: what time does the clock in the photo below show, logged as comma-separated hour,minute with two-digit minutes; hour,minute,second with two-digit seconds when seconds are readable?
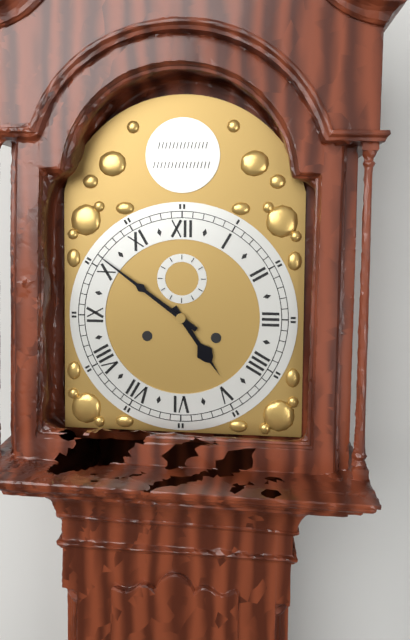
4,51
